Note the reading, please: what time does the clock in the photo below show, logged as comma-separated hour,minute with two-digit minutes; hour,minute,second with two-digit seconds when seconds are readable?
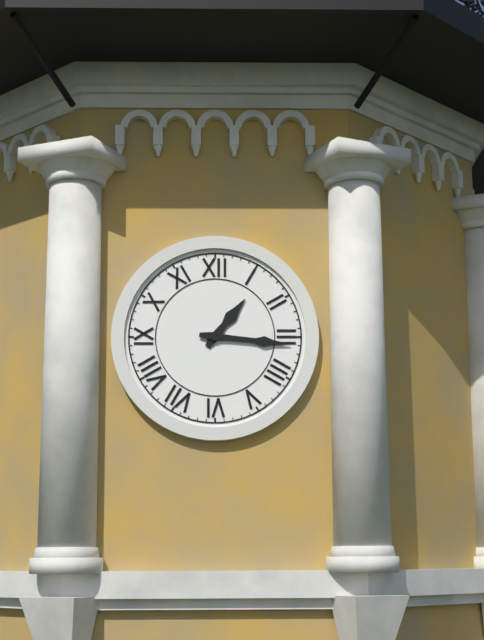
1,16
